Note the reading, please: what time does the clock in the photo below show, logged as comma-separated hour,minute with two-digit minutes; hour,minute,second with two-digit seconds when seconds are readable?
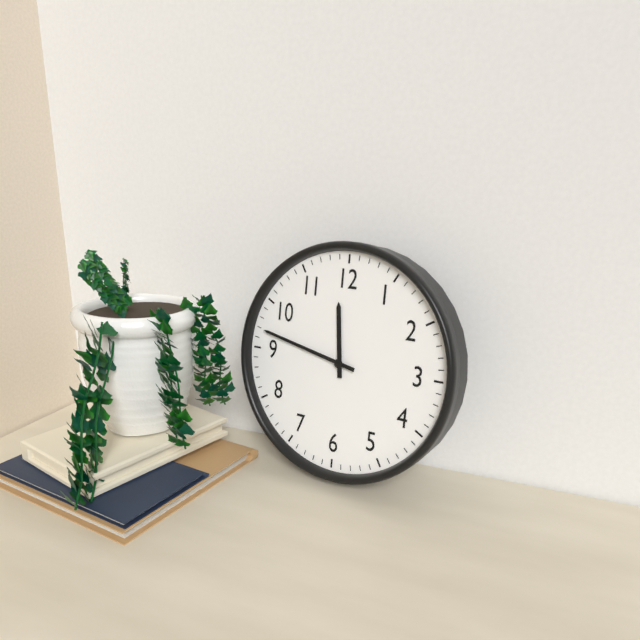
11,47
